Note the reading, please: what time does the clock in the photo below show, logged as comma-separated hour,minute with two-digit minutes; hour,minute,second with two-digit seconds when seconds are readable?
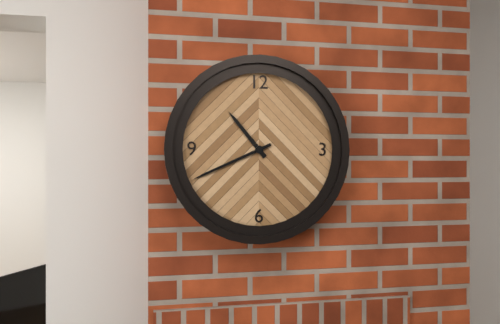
10,41
